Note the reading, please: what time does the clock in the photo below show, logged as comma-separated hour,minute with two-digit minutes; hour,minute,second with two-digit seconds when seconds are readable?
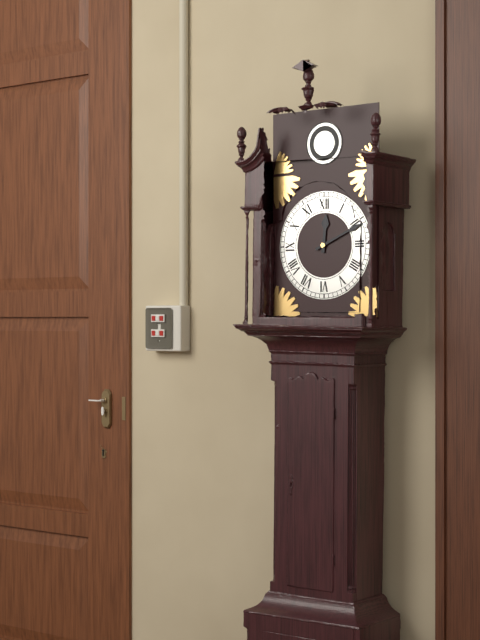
12,11
